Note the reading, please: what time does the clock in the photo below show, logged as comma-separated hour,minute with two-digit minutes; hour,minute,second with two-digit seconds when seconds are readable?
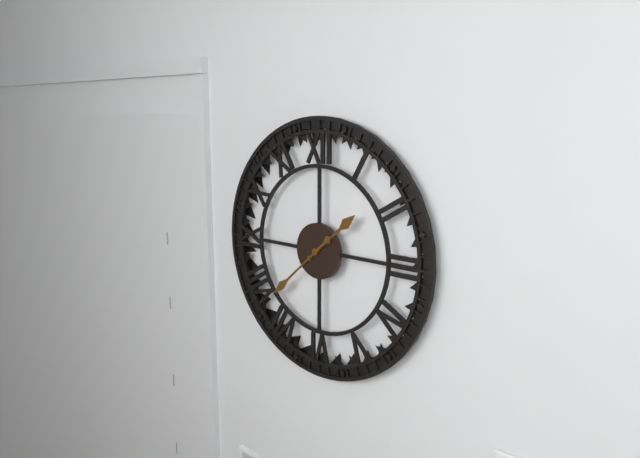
1,38
